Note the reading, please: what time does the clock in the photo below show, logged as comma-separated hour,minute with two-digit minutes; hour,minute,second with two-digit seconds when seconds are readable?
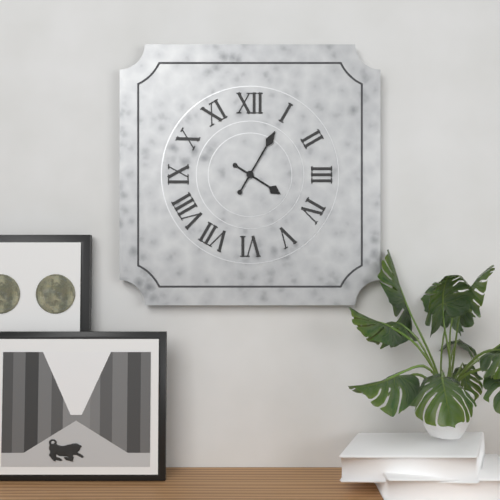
4,05
